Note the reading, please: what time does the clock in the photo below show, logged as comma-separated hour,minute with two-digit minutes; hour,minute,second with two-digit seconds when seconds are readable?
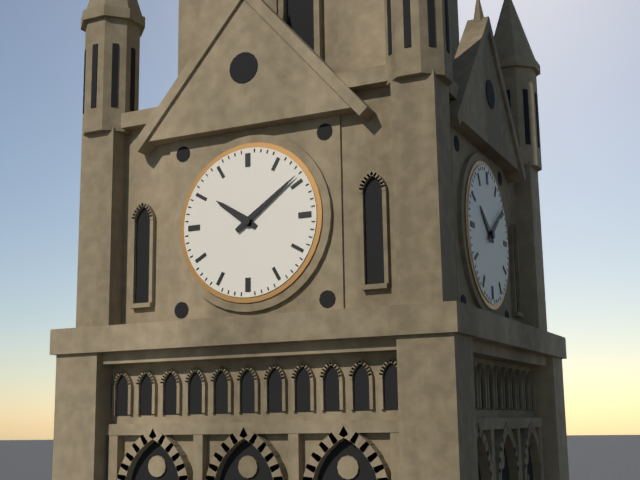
10,09
